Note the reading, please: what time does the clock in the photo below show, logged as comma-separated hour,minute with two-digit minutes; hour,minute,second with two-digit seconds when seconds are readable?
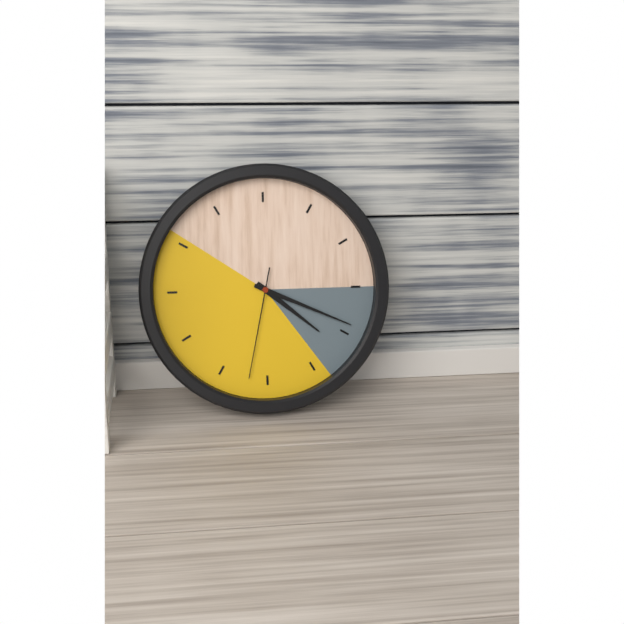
4,19,32
